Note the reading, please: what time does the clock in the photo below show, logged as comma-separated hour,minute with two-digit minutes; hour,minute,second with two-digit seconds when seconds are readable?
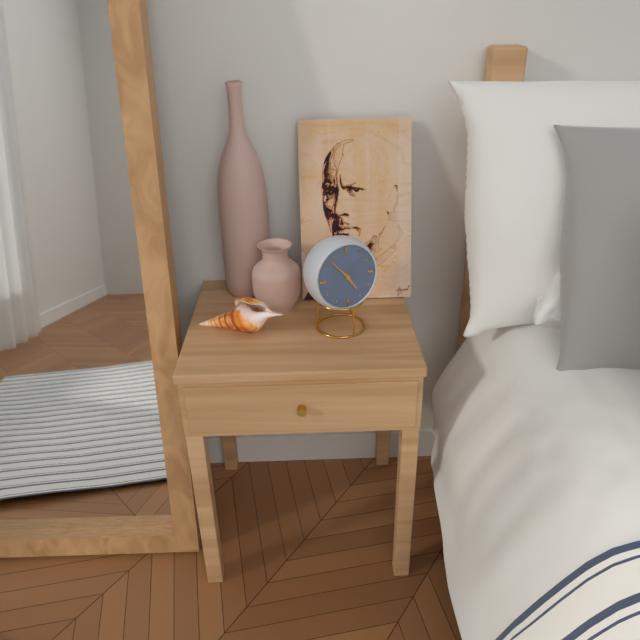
4,53
